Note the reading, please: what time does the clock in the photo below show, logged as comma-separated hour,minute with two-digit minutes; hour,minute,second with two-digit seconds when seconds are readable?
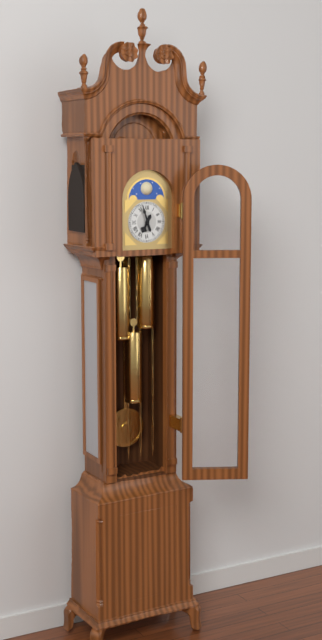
6,57
